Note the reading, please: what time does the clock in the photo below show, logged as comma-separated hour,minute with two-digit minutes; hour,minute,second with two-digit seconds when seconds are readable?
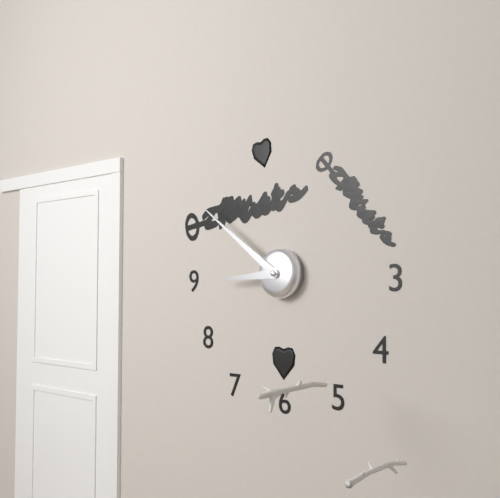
8,51
